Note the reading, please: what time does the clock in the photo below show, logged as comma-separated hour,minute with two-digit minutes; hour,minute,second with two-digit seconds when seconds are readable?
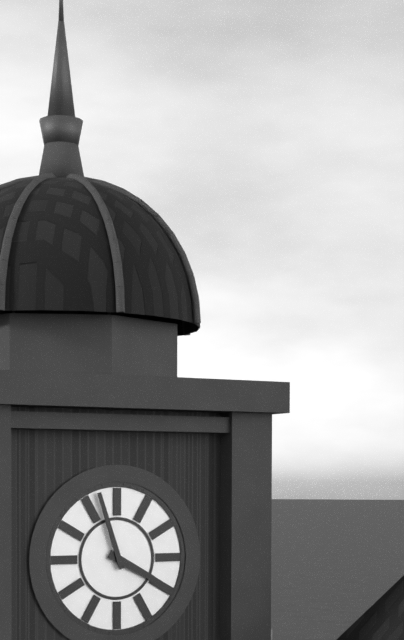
3,57
